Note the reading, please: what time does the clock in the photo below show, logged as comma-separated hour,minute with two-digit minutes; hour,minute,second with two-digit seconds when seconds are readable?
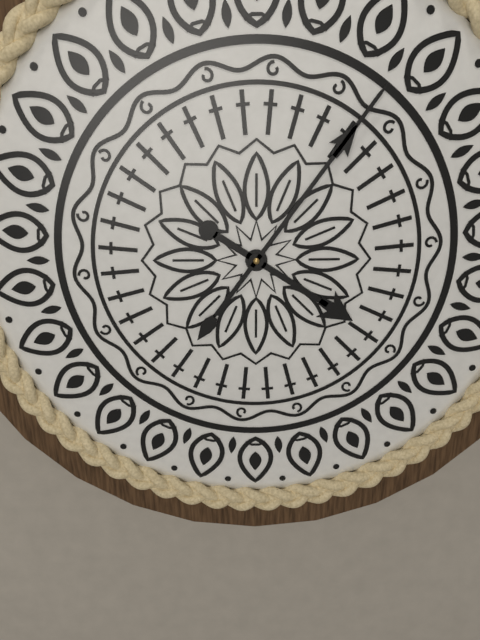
4,06
